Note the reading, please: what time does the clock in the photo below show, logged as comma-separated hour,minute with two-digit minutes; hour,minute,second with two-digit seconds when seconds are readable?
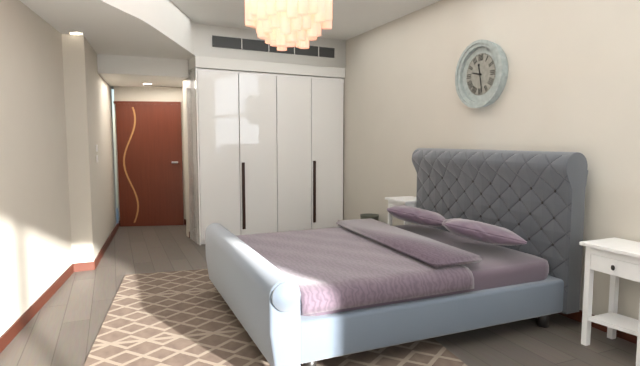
9,28
